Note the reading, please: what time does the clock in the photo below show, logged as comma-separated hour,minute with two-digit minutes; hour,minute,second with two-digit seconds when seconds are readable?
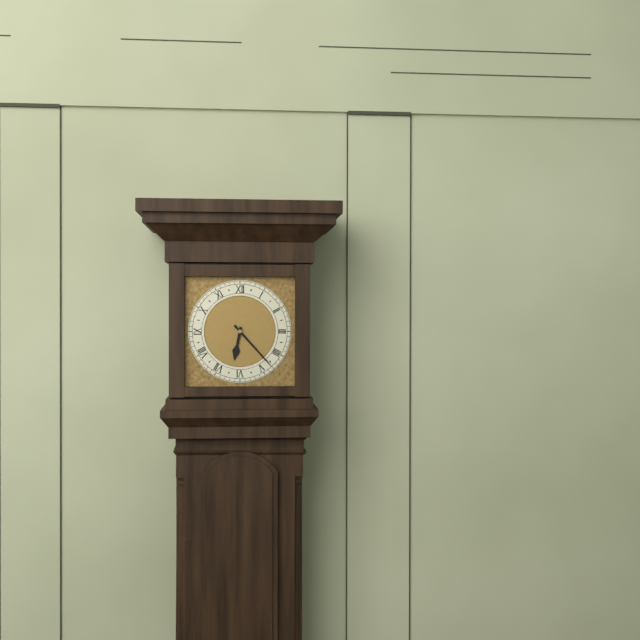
6,23
